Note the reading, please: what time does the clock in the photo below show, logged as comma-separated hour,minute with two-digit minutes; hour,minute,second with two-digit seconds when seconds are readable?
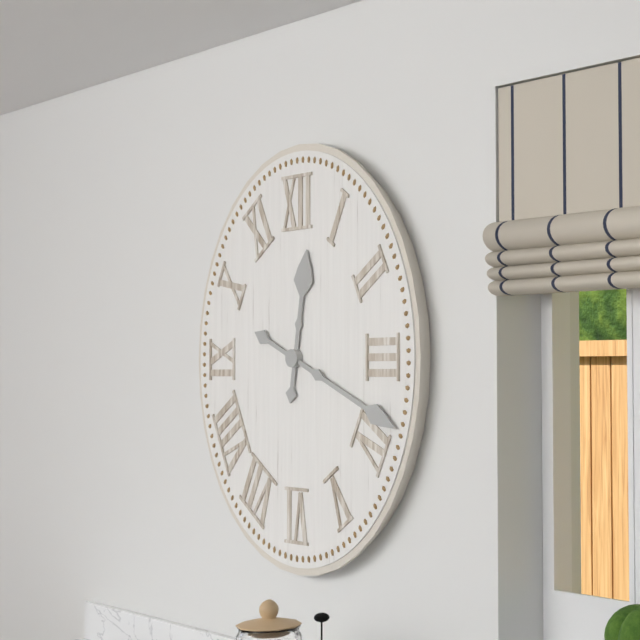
12,19
